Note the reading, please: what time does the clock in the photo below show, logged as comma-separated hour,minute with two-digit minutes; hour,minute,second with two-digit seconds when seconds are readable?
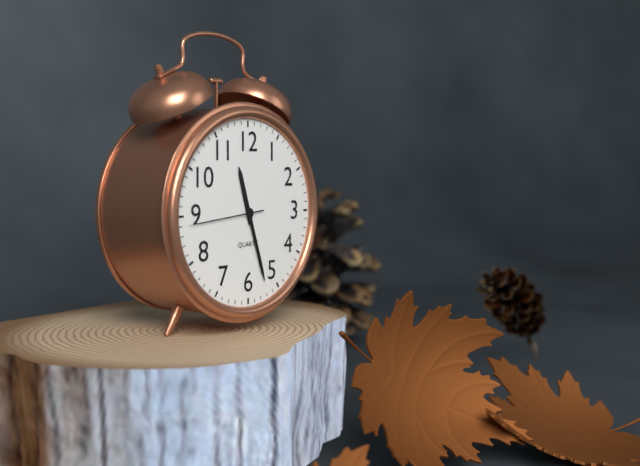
11,27,44
